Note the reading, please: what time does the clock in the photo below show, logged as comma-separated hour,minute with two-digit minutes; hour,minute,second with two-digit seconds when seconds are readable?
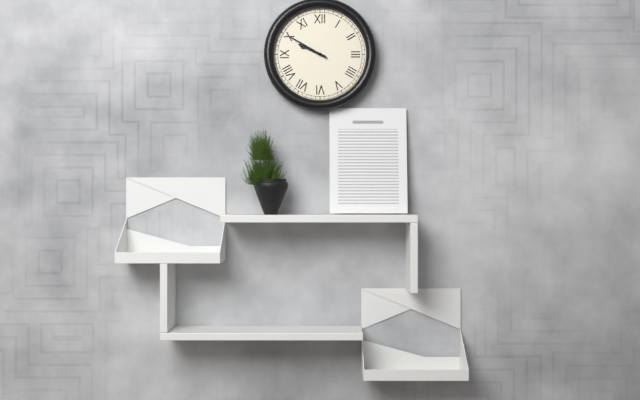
9,50
